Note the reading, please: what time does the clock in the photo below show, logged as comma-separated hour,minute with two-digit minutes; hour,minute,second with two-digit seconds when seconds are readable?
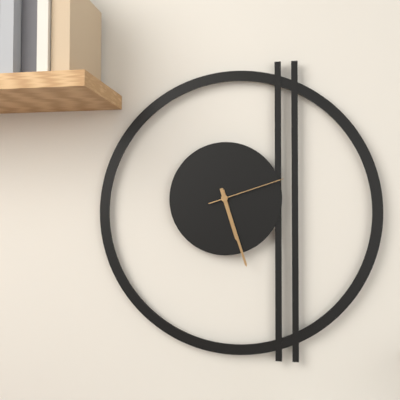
5,27,12
